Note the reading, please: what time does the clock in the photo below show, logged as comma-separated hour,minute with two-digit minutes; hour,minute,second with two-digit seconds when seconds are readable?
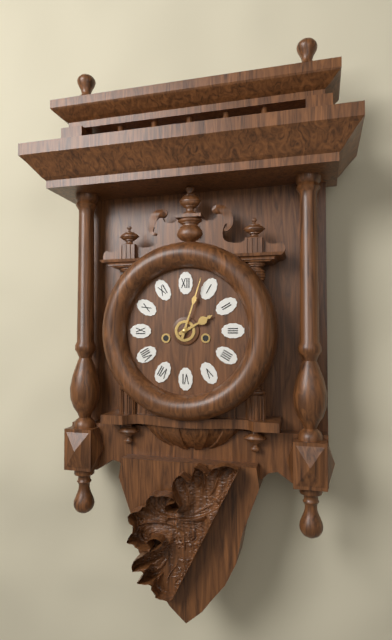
2,03
